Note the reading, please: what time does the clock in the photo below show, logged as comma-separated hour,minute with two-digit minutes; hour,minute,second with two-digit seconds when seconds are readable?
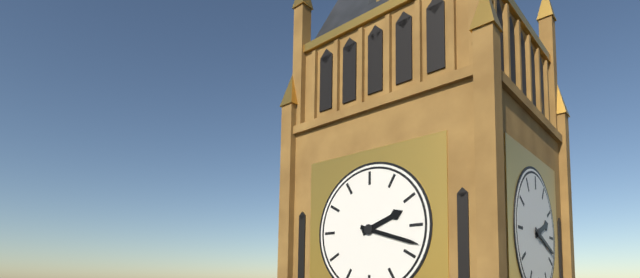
2,18
